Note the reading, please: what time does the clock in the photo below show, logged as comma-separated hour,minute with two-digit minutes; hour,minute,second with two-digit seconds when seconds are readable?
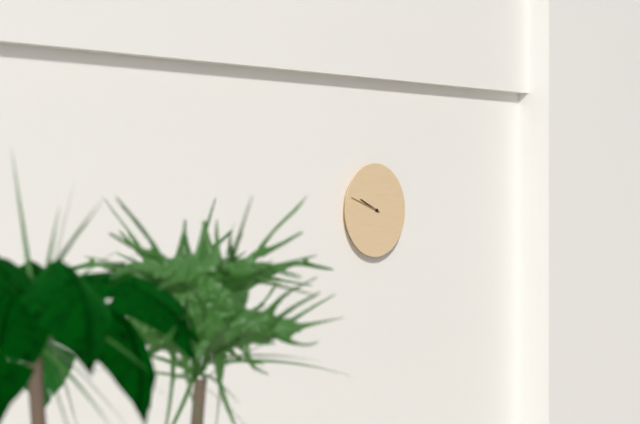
9,48
